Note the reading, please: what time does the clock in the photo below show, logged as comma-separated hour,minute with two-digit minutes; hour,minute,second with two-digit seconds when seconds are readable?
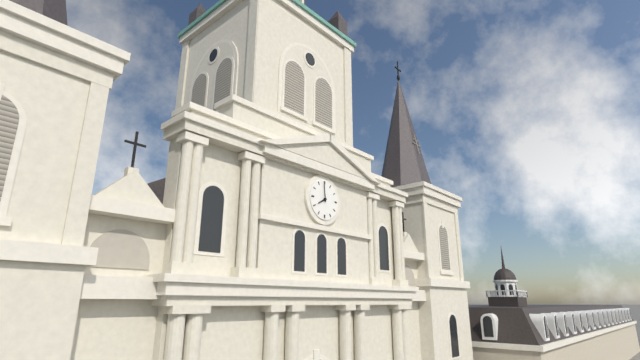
7,59
